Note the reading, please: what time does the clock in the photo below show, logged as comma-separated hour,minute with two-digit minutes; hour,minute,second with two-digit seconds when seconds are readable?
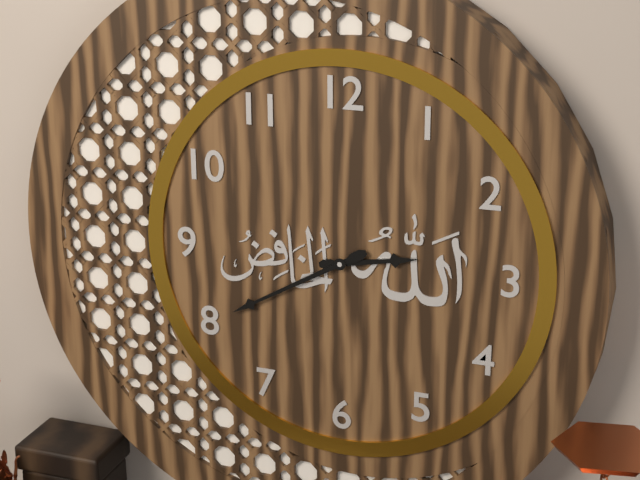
2,40
